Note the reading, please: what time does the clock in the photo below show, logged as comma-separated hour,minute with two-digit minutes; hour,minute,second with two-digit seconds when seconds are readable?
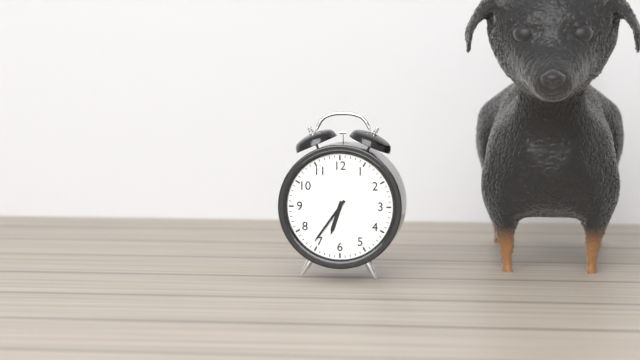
6,36
